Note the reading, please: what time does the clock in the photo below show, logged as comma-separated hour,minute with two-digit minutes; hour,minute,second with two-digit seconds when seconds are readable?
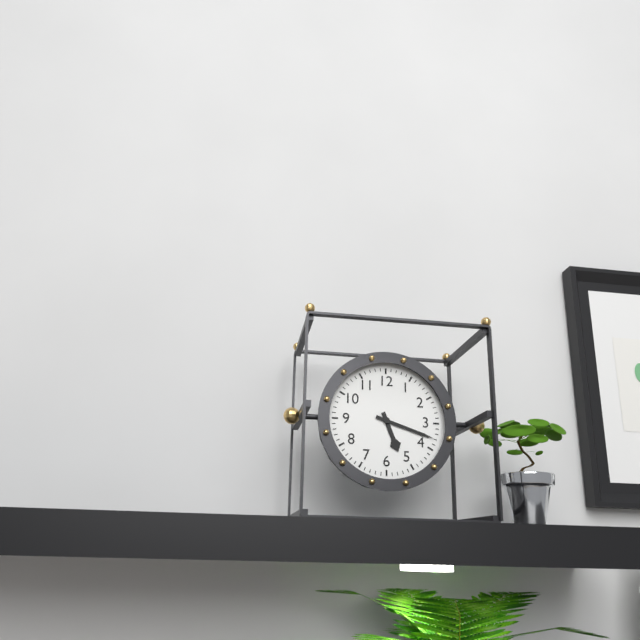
5,18
